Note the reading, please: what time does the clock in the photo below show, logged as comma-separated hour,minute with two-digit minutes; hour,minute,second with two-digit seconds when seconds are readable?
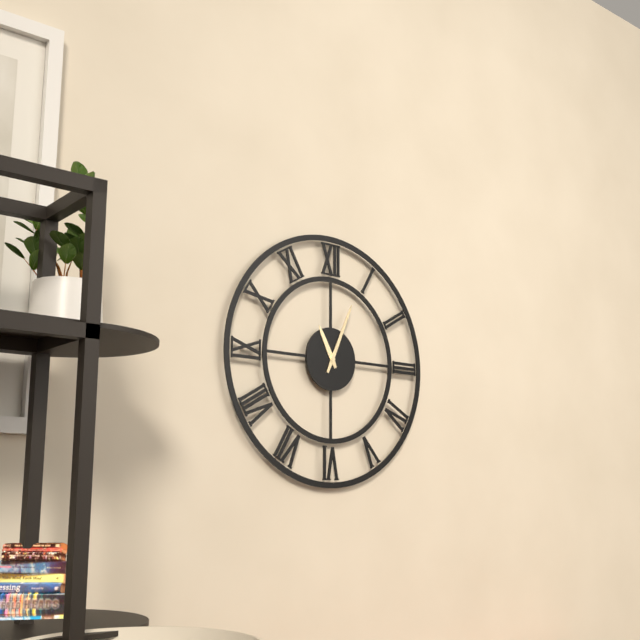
11,04
